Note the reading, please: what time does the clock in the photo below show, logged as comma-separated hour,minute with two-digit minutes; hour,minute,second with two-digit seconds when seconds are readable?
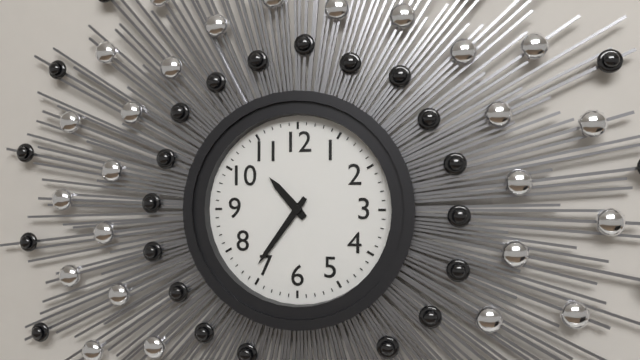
10,36
